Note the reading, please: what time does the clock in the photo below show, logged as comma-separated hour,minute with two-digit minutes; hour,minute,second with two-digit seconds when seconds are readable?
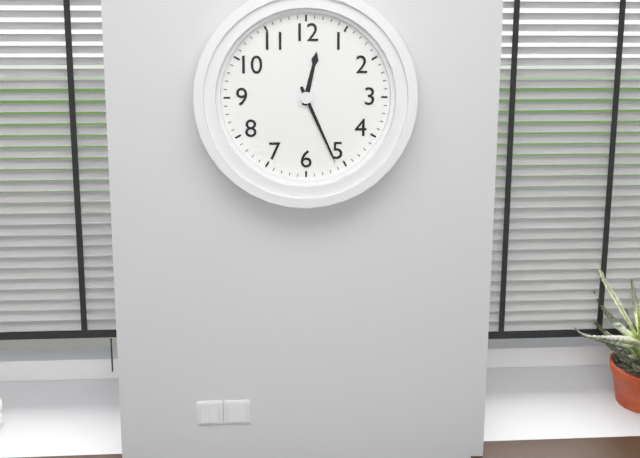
12,26
